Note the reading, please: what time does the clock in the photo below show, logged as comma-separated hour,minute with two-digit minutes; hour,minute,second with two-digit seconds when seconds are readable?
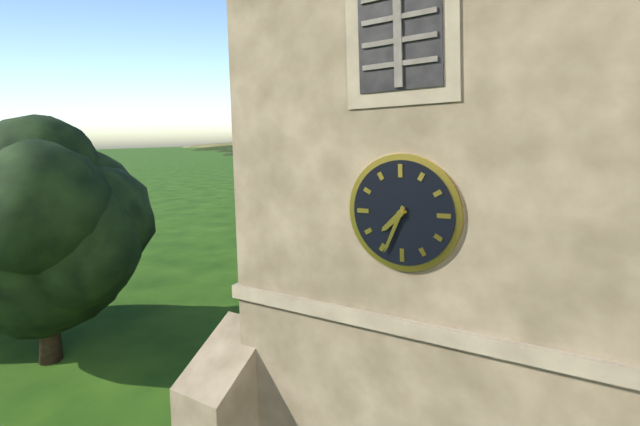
7,34
